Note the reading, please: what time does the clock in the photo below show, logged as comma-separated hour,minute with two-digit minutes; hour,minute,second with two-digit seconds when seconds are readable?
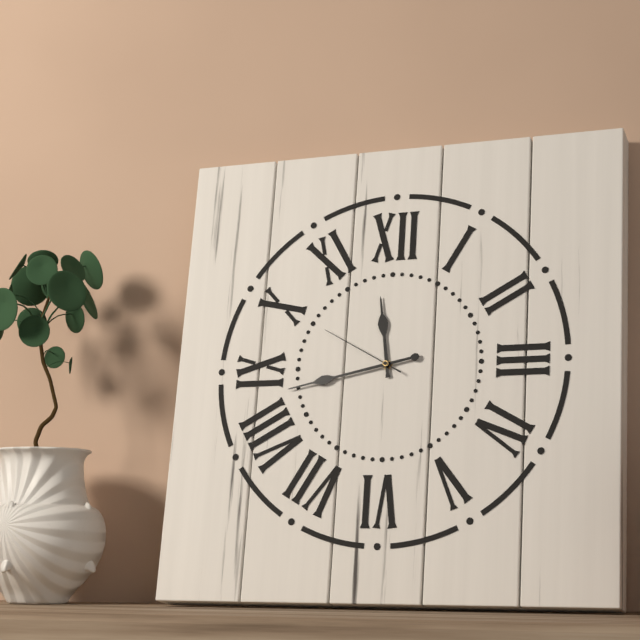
11,43,50
